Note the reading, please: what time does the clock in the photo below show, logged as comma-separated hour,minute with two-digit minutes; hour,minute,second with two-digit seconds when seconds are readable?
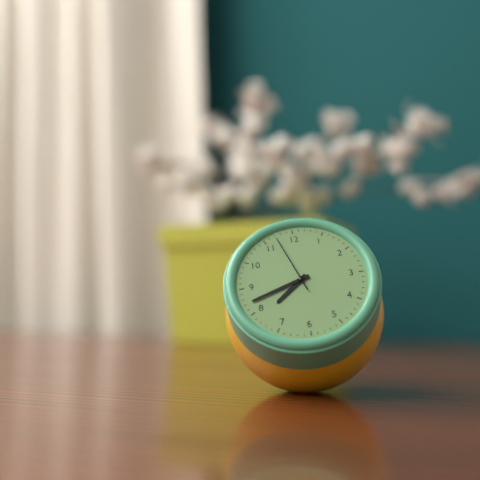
7,42,57
